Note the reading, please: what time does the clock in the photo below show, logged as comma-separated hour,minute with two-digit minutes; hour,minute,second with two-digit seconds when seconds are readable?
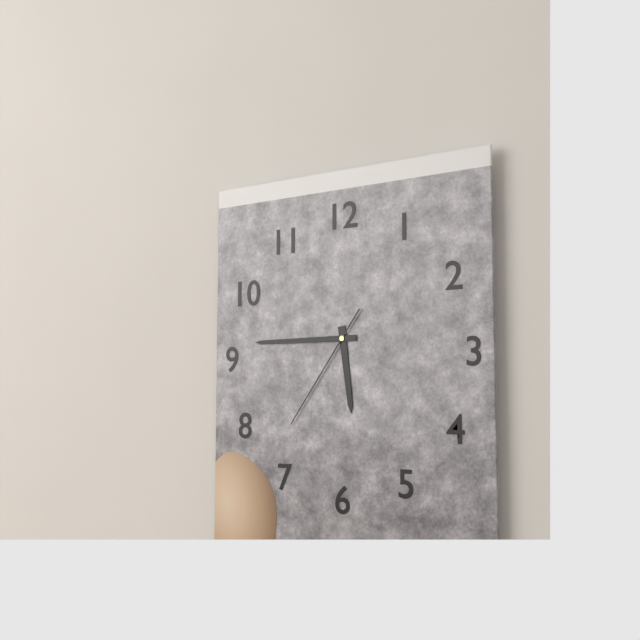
5,45,36
